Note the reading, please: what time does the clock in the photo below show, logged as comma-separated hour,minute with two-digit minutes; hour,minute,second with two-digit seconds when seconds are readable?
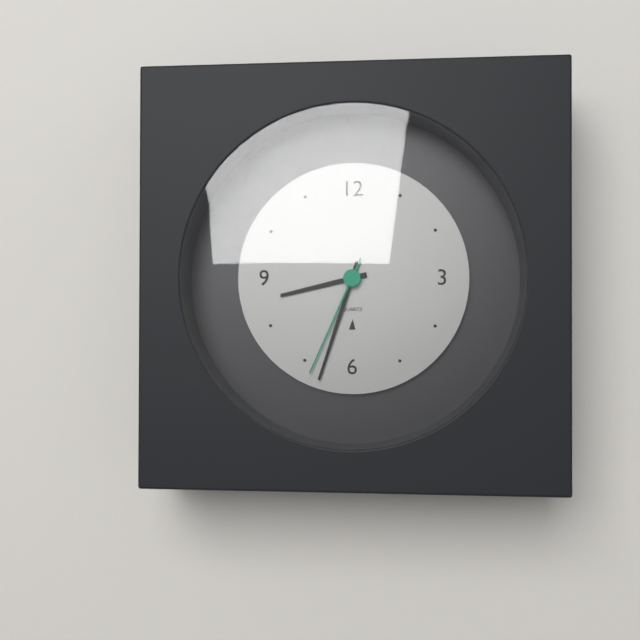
8,33,34
